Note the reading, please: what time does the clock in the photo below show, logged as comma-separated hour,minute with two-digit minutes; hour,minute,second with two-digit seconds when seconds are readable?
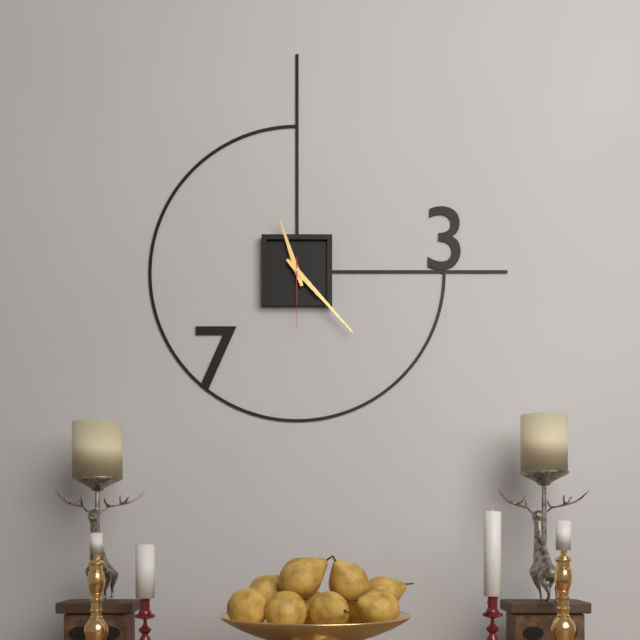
11,23,30
